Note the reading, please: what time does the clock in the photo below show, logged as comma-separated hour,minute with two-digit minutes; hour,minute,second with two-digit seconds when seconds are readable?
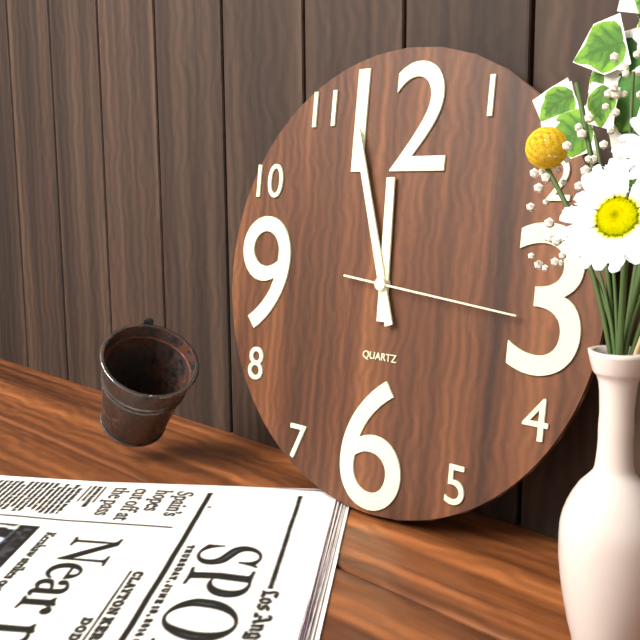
11,57,16
